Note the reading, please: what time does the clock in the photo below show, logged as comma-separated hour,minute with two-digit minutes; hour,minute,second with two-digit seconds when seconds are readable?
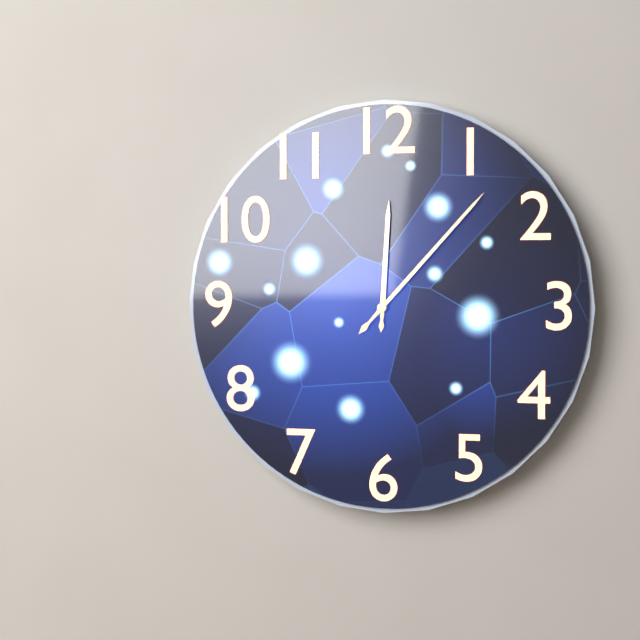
12,07
